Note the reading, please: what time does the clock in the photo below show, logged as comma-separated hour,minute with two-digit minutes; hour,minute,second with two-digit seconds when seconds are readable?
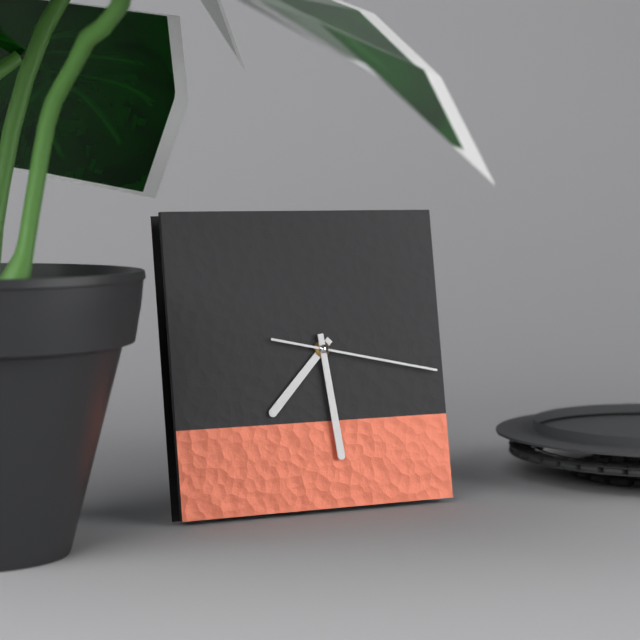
7,29,17
